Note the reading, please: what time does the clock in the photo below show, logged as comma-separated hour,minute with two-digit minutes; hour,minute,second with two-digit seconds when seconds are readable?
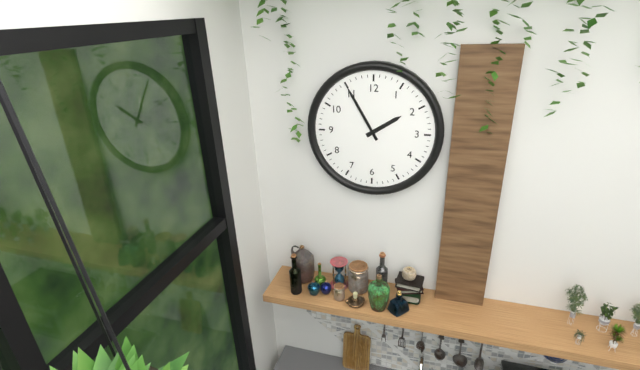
1,55
